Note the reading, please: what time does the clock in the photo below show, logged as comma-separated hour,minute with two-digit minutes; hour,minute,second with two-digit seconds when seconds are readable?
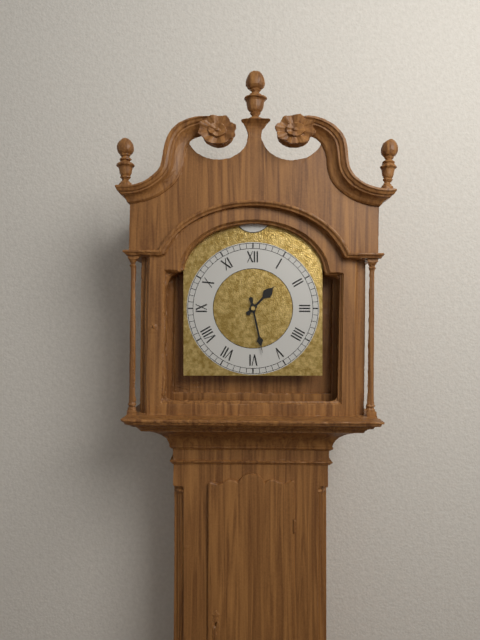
1,28
